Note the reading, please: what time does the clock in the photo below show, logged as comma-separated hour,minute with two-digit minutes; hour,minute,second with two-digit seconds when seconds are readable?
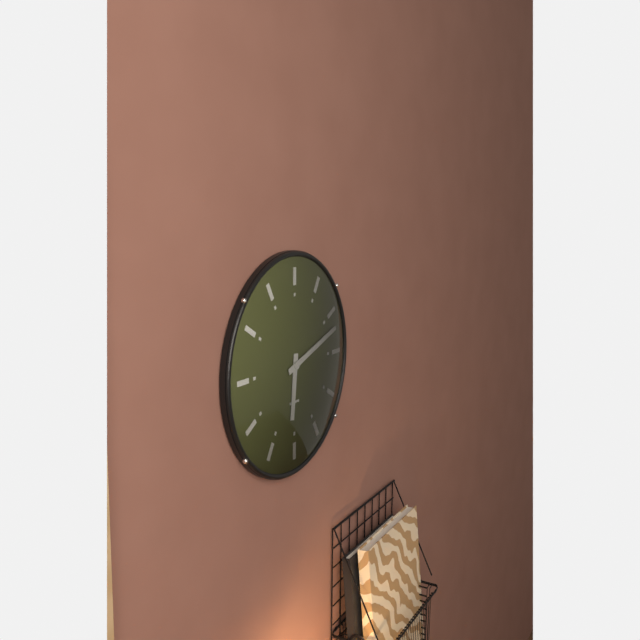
6,12
